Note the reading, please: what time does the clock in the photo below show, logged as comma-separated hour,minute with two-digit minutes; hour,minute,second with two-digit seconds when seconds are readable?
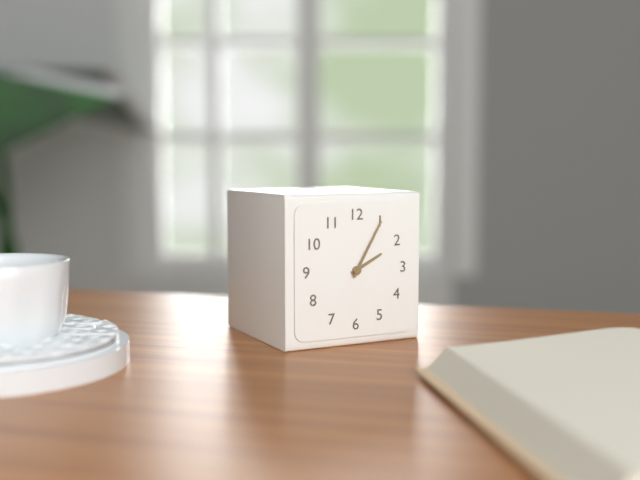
2,05
